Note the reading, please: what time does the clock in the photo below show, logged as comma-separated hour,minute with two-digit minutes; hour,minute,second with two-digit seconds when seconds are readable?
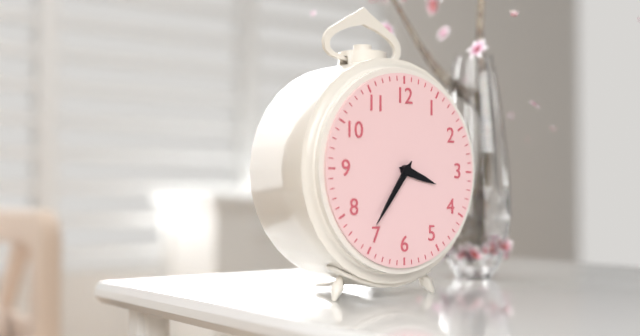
3,36
